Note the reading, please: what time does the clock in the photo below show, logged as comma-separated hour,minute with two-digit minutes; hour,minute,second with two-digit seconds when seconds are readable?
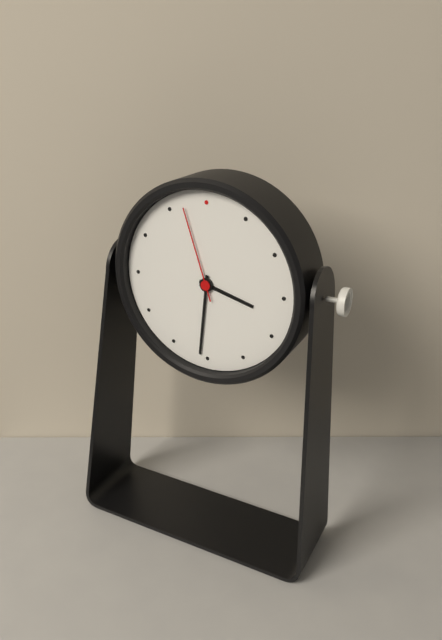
3,31,57
